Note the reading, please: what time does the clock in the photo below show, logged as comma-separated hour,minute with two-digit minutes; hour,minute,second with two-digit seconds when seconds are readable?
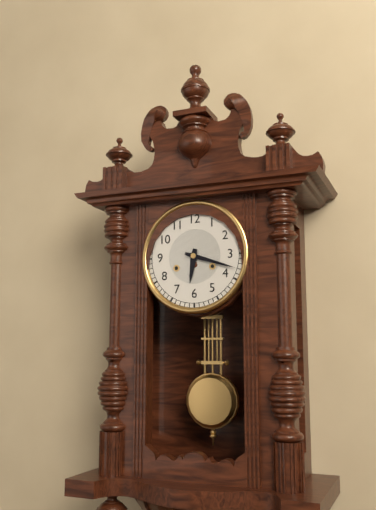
6,18
